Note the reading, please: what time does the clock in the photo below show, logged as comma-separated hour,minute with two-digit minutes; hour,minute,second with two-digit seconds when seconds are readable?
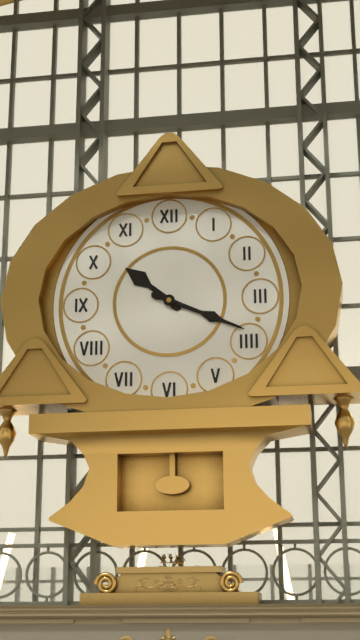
10,19
